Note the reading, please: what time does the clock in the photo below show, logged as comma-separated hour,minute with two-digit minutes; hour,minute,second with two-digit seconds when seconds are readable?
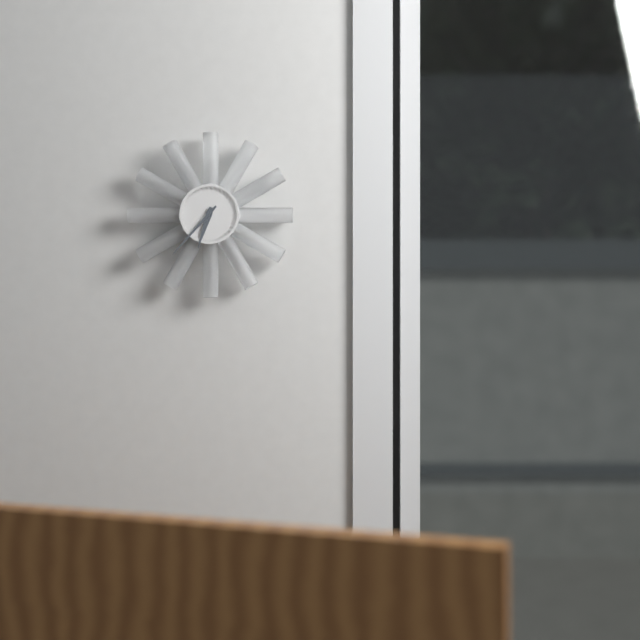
6,37
